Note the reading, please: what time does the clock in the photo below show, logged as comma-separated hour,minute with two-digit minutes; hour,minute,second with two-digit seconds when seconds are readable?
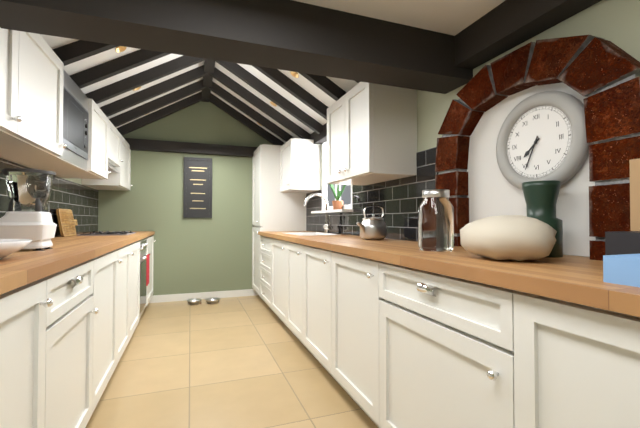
7,34
